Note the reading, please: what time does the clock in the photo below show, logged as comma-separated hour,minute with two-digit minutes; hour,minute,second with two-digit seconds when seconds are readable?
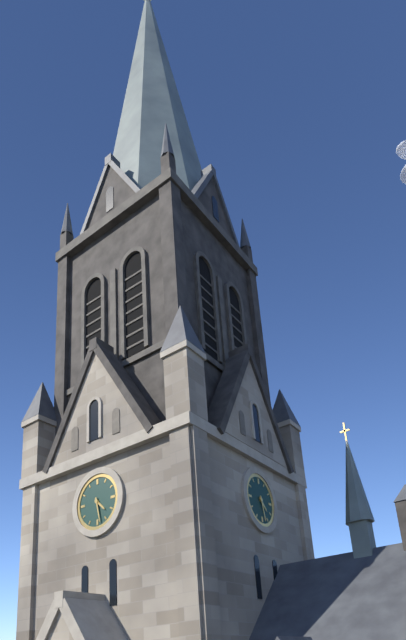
4,28
